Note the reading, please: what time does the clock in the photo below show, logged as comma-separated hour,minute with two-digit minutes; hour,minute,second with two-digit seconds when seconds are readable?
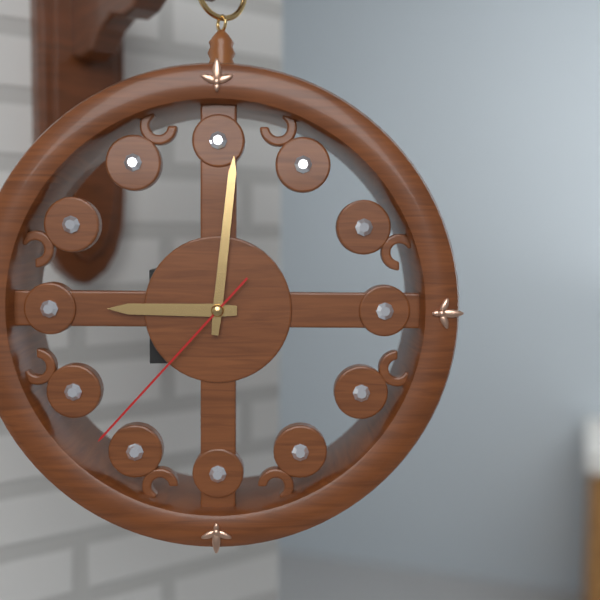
9,01,37
